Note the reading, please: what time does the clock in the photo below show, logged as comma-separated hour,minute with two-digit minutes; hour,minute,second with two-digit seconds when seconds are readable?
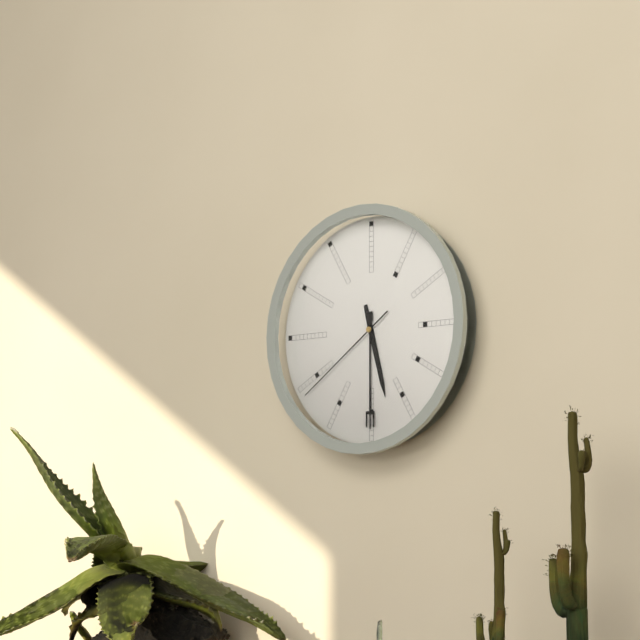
5,30,39
